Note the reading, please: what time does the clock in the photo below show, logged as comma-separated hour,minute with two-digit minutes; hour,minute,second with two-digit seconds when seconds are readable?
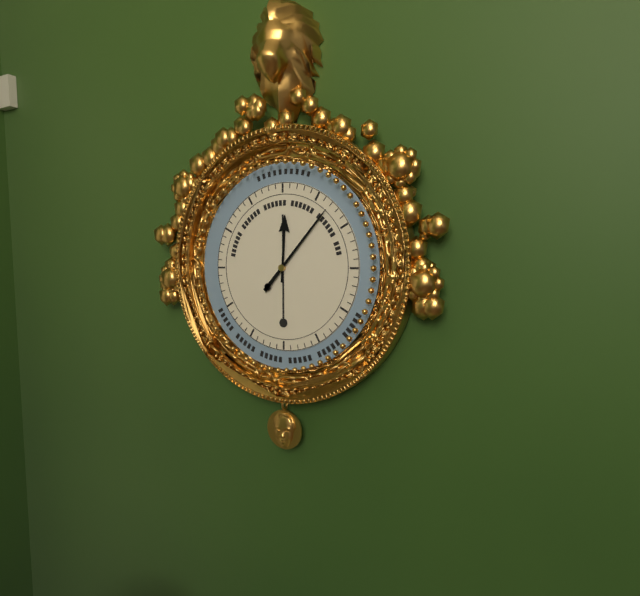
12,07
